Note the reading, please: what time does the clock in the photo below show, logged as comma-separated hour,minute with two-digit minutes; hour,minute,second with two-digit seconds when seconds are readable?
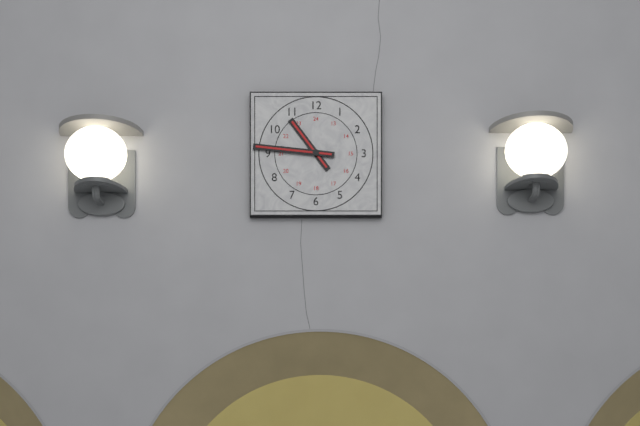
10,46
